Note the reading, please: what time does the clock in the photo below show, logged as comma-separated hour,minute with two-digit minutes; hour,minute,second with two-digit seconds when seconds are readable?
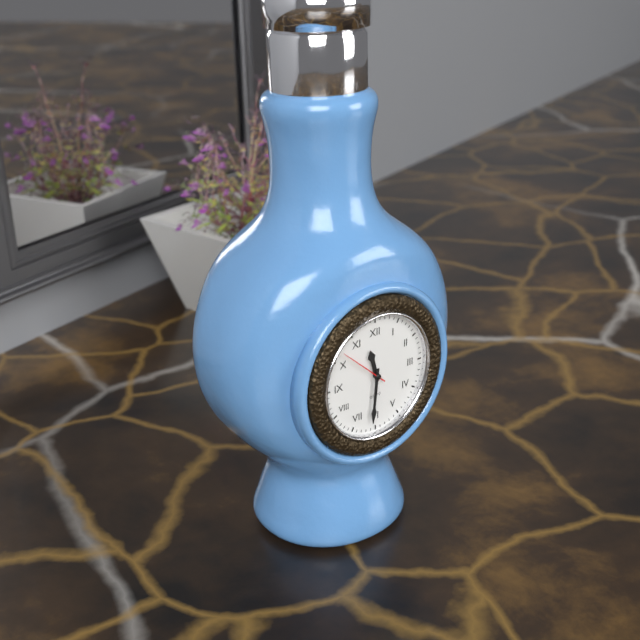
11,31
